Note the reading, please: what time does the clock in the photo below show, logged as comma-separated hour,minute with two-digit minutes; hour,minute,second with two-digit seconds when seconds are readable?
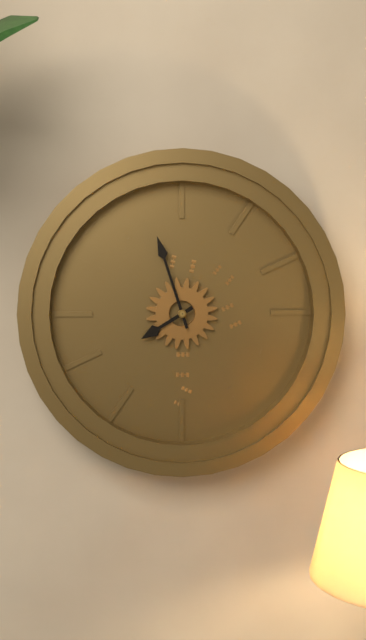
7,57
